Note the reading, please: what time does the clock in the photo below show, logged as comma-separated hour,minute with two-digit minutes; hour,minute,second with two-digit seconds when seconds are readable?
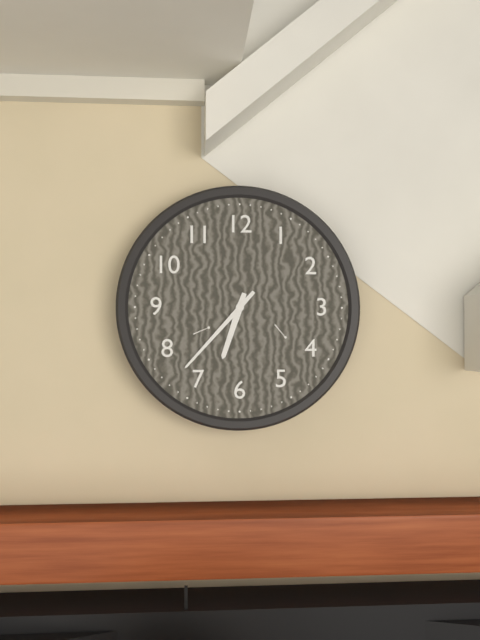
6,37
